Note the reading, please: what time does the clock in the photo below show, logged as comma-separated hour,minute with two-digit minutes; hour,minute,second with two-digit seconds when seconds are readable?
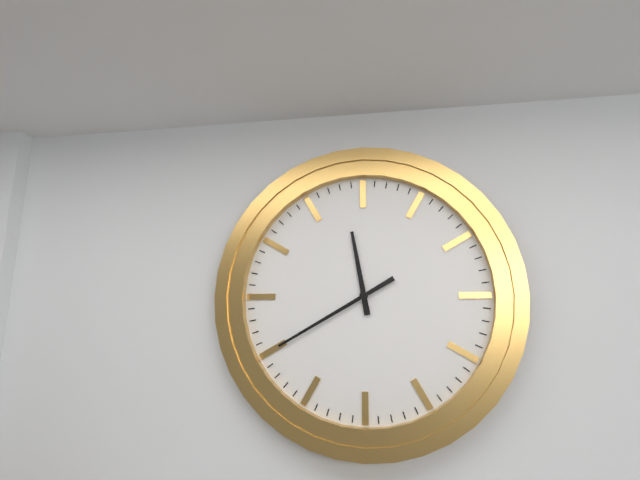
11,40
